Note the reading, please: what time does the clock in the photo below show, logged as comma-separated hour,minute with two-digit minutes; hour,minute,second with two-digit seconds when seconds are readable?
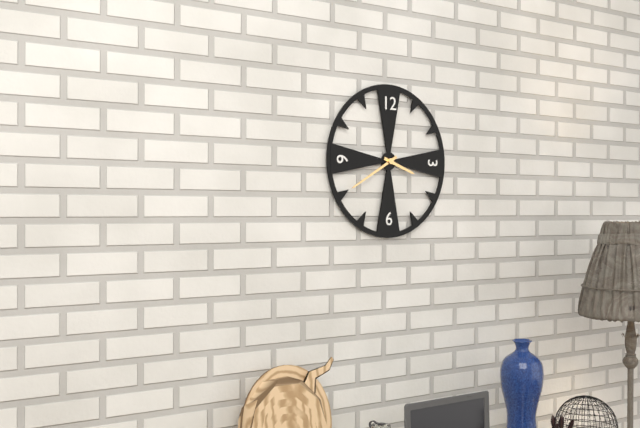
3,40
